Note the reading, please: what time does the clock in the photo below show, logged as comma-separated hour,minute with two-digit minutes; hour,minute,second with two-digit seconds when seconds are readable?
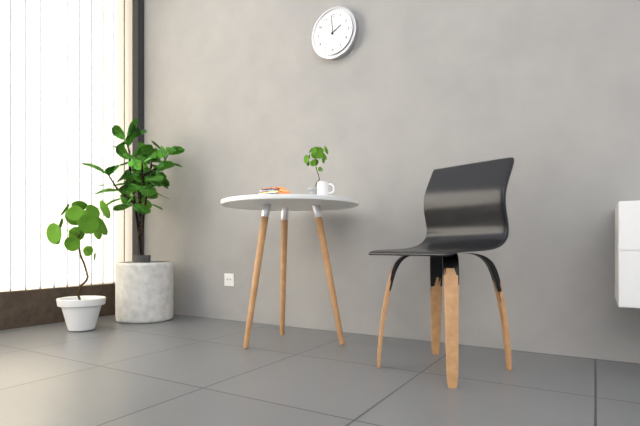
1,59
